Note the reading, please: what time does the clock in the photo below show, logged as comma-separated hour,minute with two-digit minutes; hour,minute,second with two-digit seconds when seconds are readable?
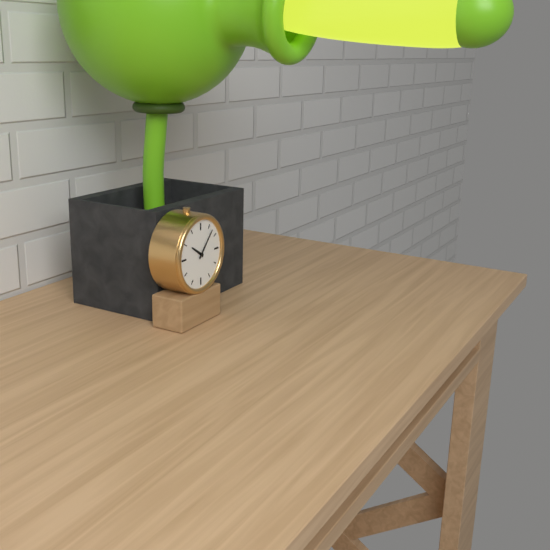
10,07
